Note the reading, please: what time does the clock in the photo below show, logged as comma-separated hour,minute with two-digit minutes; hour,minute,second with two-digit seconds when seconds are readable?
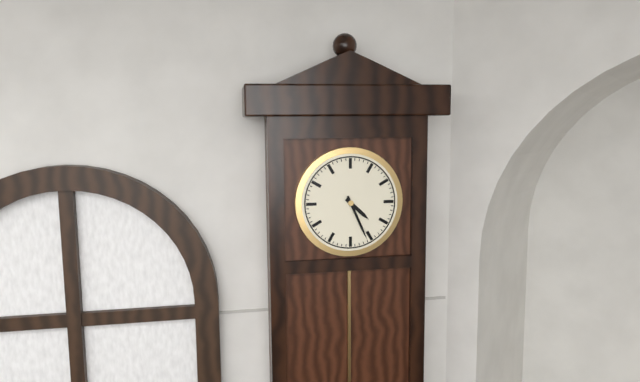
4,26
